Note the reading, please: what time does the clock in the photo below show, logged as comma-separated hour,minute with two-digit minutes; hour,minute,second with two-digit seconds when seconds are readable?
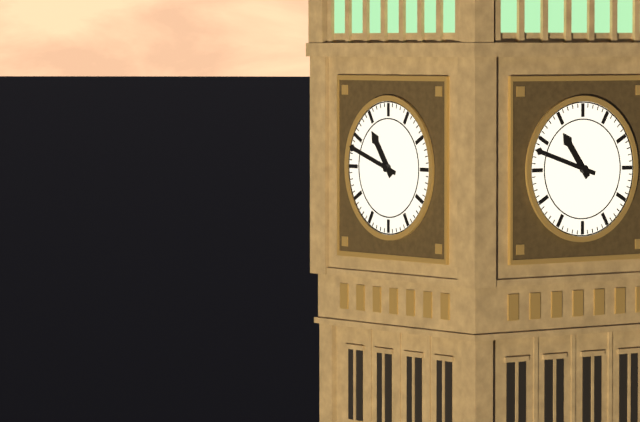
10,48
